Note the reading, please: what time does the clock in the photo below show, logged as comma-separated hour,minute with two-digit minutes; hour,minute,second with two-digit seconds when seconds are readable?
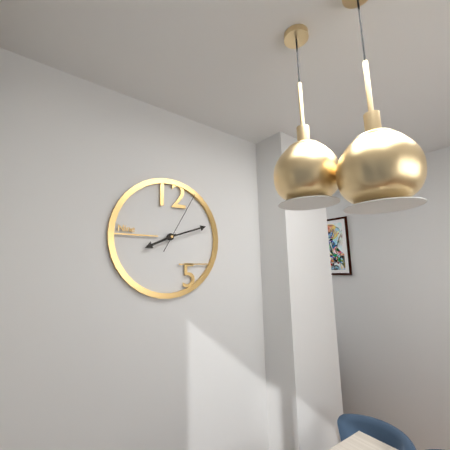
8,12,05
